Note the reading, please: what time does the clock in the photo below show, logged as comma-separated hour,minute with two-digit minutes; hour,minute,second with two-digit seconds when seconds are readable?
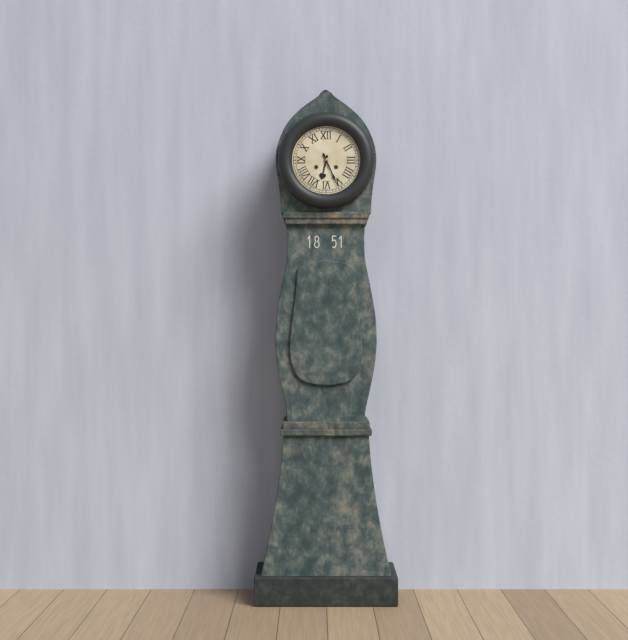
6,26
